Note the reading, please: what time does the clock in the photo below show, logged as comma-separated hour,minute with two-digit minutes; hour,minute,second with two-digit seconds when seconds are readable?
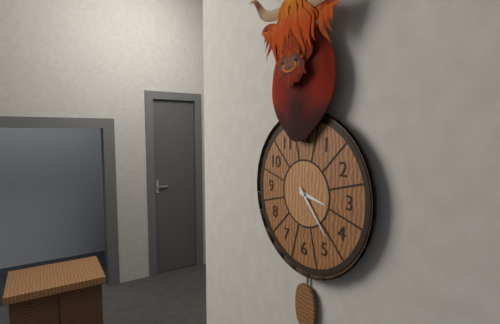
3,23
